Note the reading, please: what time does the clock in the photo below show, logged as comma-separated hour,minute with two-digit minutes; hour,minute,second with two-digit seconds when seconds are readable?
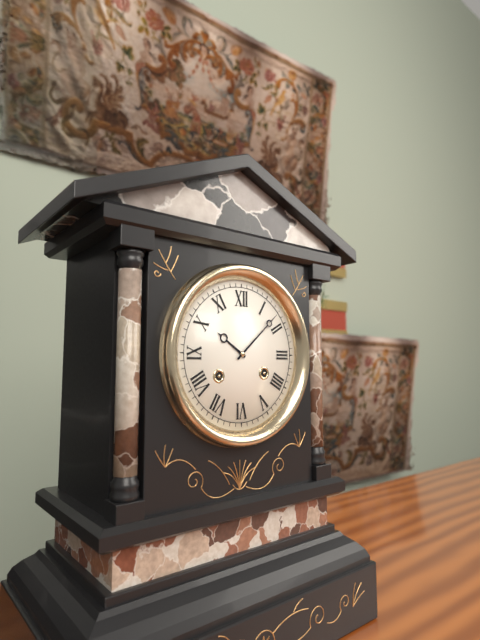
10,08
